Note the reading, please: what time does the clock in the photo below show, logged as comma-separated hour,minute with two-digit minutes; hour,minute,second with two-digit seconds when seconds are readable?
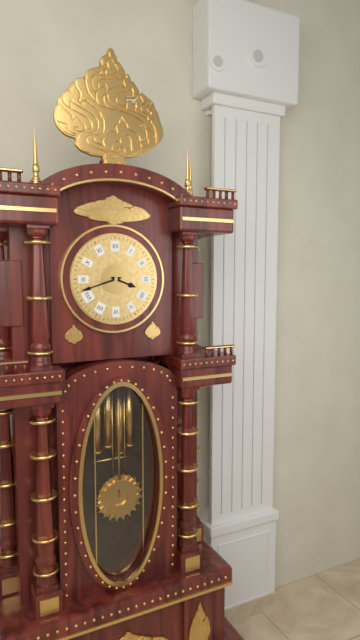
3,42
